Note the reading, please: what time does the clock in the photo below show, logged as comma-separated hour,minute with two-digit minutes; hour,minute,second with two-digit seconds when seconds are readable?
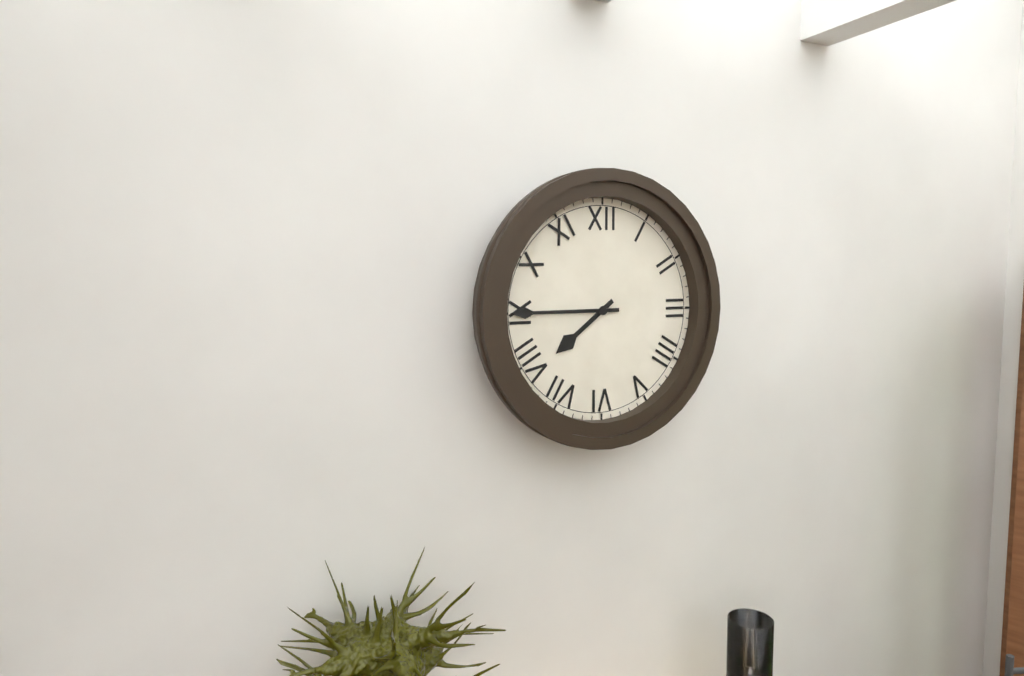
7,45
